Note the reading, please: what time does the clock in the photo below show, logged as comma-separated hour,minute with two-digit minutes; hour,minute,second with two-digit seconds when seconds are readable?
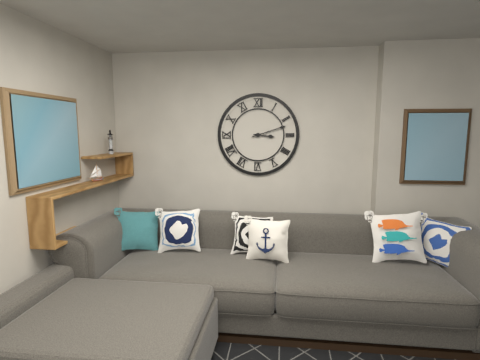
3,12
